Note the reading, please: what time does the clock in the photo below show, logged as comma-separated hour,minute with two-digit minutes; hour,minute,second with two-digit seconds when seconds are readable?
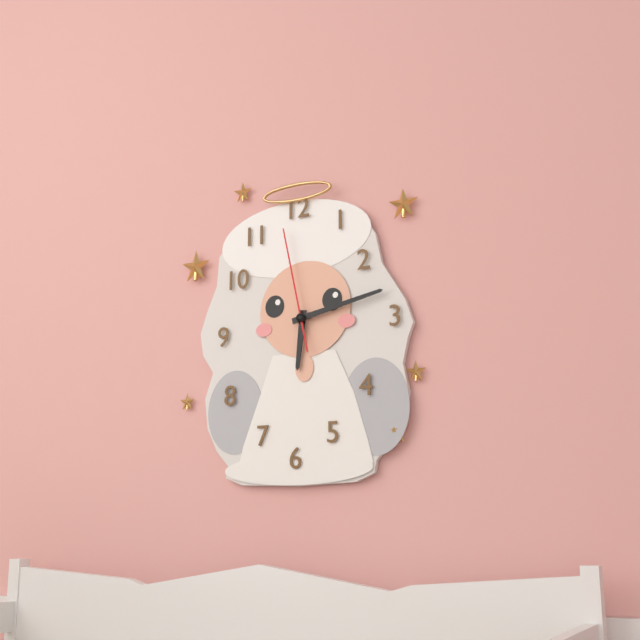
6,13,58
